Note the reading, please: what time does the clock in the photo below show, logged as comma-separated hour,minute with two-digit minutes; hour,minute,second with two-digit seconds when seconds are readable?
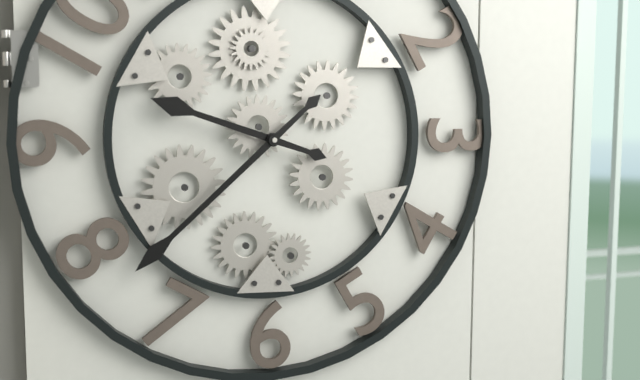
9,38
